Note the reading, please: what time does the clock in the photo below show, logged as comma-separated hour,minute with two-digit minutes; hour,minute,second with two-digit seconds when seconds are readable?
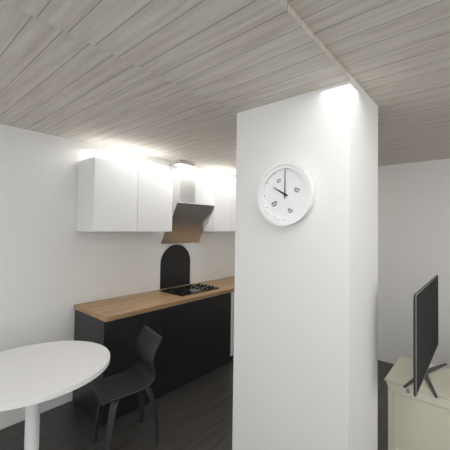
10,00
